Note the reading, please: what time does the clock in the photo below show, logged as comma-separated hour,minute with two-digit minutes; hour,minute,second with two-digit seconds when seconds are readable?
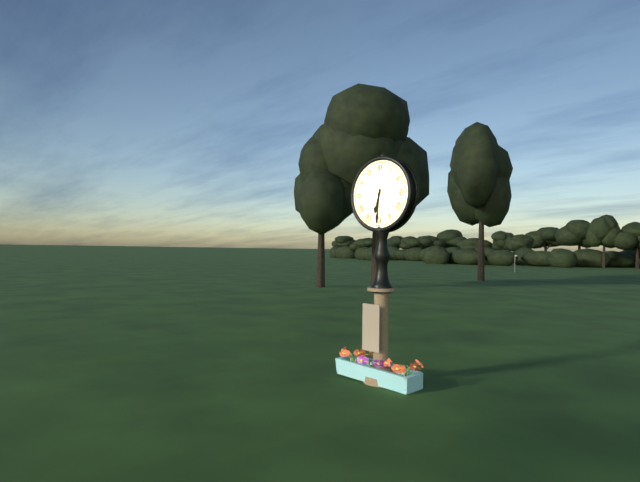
6,31
